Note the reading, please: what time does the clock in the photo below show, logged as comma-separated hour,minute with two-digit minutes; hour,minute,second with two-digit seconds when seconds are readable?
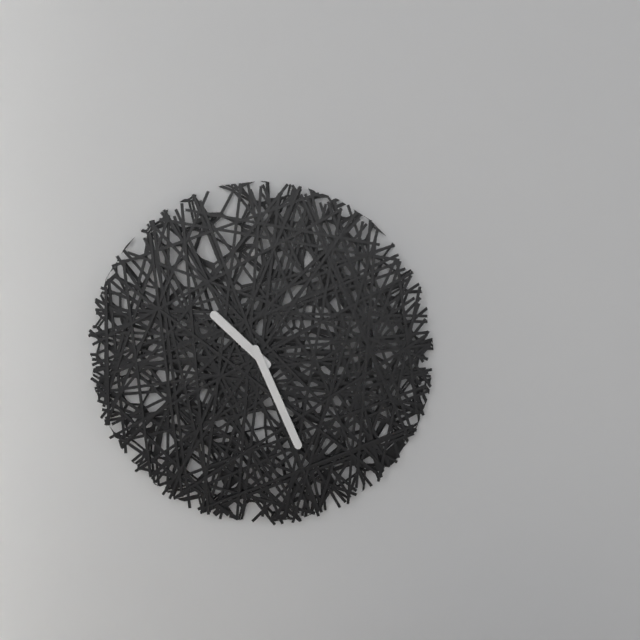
10,26
